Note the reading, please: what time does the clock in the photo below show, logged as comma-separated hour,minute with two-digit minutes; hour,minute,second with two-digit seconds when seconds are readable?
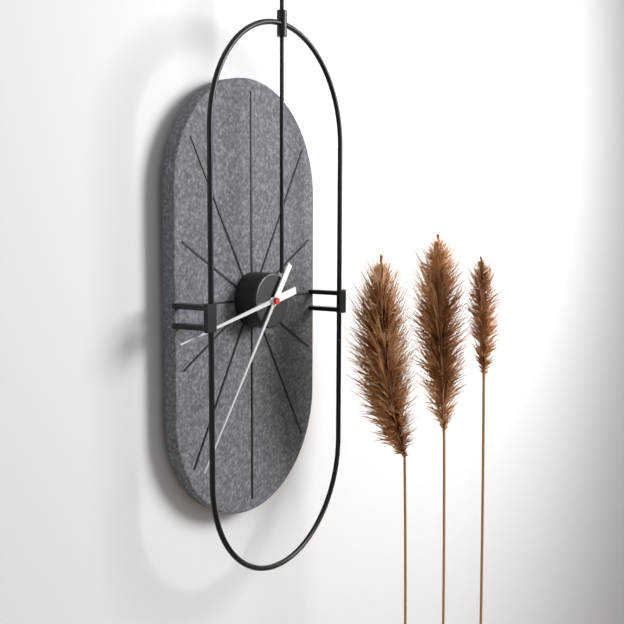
8,36
